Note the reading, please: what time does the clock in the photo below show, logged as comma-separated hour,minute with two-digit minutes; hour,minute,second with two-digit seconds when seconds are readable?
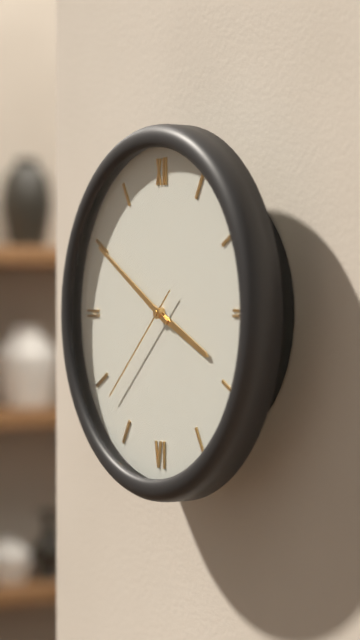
3,50,38
